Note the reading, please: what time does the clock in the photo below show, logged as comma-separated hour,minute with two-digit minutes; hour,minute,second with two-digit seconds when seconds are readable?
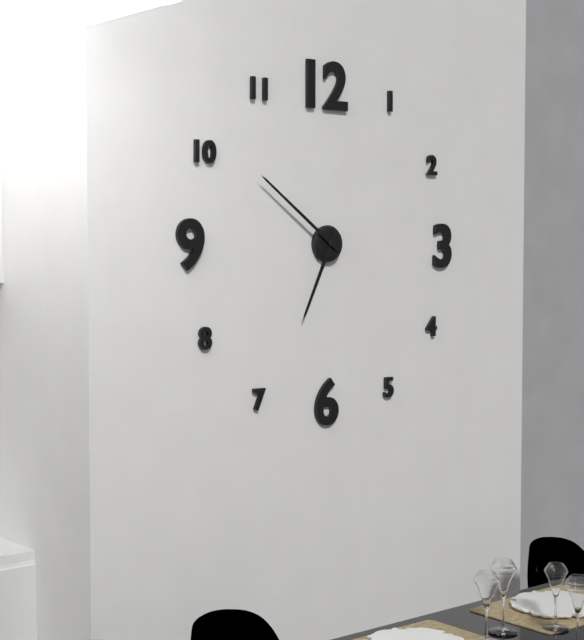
6,51
